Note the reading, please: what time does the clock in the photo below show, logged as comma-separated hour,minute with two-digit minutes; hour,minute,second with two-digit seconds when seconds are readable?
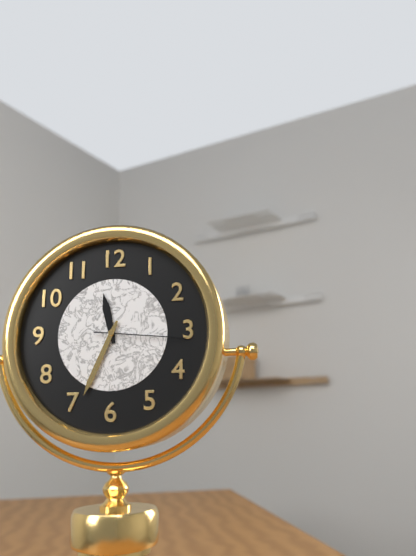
11,34,16
